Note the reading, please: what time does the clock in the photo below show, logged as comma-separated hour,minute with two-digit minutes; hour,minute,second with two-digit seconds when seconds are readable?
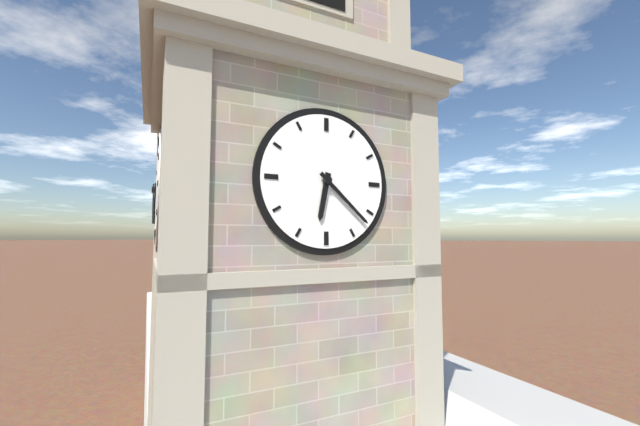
6,22
